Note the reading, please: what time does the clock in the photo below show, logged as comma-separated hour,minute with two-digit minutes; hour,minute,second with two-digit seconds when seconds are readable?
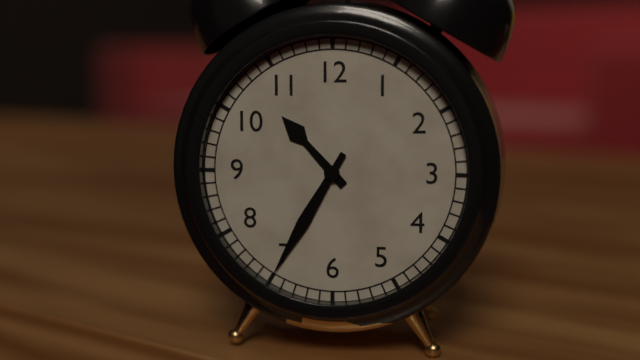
10,35
